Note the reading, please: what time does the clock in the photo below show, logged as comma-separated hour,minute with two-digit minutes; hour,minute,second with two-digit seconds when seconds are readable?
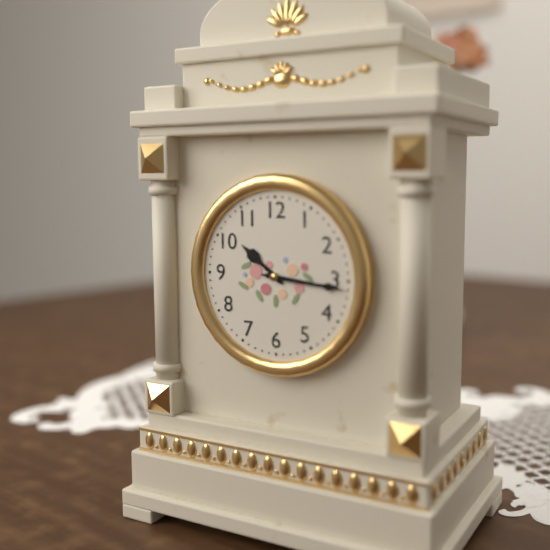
10,16
